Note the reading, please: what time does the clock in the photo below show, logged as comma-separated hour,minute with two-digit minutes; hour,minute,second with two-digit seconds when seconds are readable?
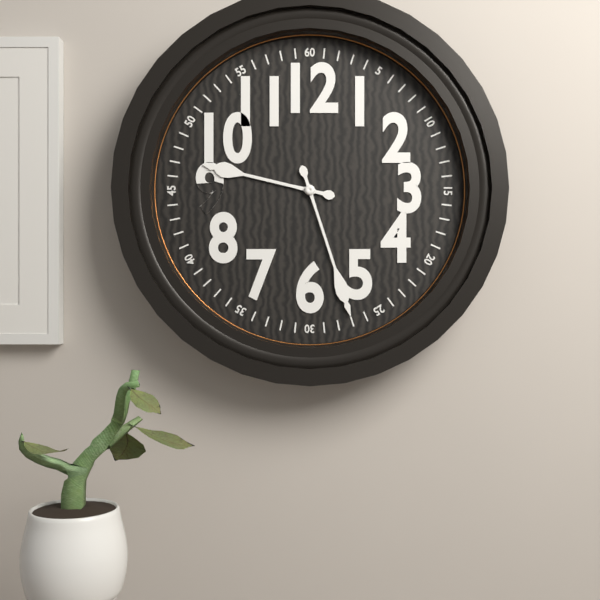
9,27
